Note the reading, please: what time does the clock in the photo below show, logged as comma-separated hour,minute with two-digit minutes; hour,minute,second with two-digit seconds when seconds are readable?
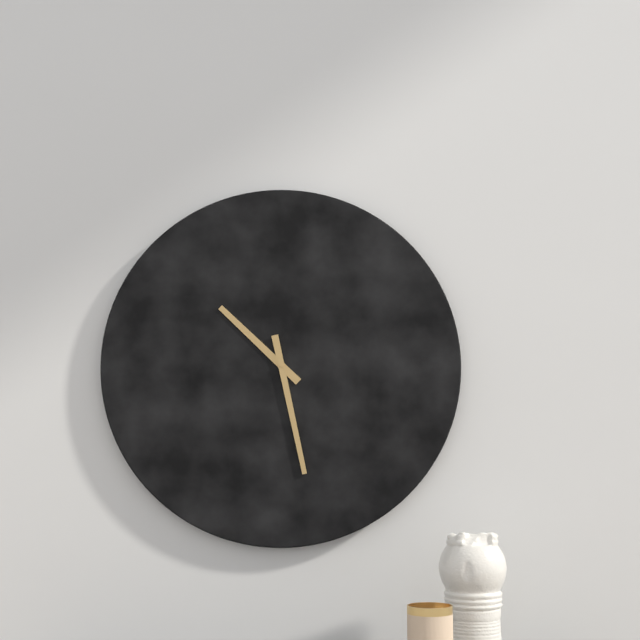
10,28
